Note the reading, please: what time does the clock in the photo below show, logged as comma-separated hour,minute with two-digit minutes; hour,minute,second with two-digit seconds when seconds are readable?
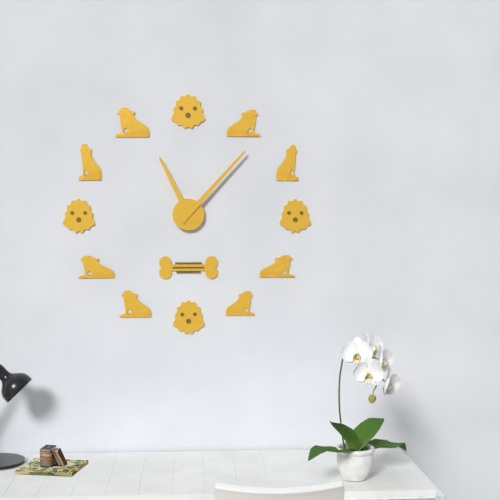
11,07
